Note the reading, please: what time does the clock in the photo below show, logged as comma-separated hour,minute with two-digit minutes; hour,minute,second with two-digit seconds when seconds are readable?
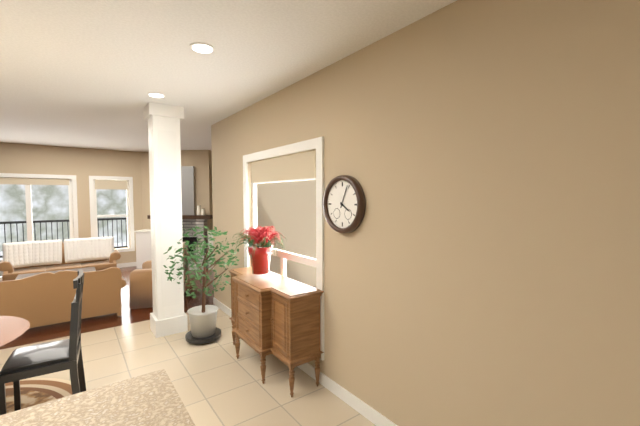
4,04
